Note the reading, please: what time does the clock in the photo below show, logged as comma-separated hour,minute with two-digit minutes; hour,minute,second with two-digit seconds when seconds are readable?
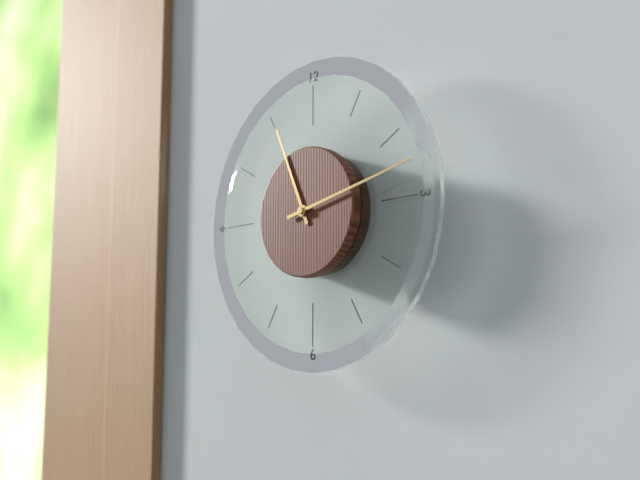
11,13
